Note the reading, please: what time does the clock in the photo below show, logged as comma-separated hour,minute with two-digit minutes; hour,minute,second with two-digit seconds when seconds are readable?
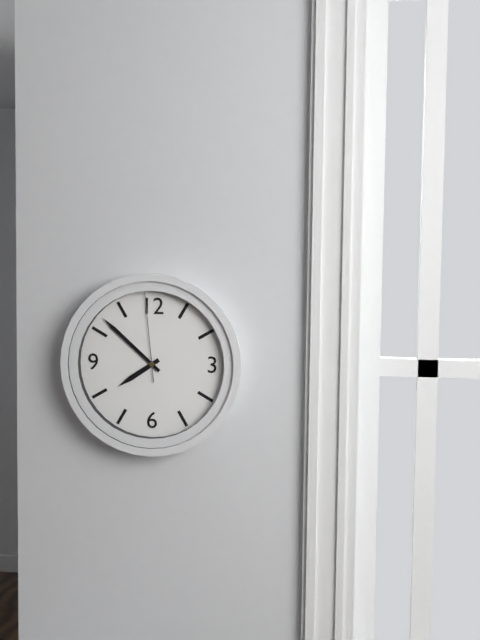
7,52,59
